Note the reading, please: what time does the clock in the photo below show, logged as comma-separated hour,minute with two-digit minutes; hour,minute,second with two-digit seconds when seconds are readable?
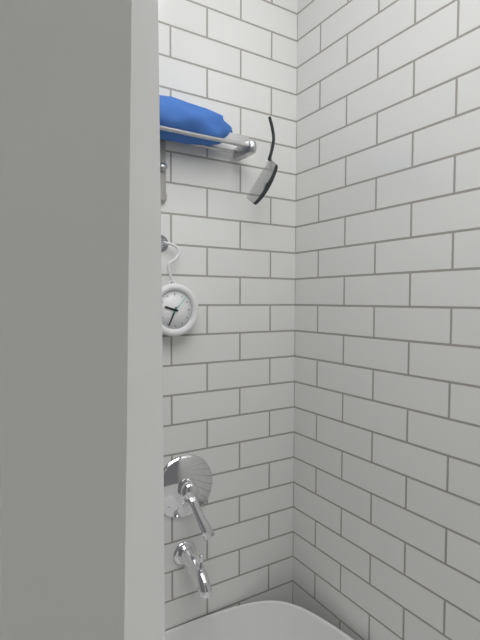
9,34
